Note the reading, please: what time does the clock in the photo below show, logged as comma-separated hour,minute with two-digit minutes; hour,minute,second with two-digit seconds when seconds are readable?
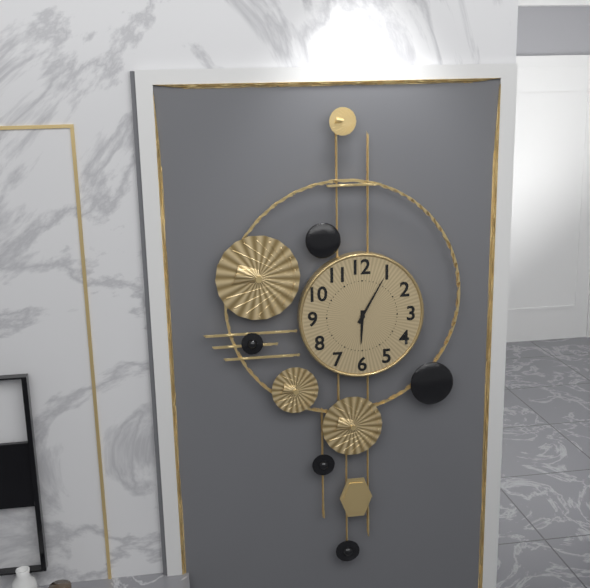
6,05
